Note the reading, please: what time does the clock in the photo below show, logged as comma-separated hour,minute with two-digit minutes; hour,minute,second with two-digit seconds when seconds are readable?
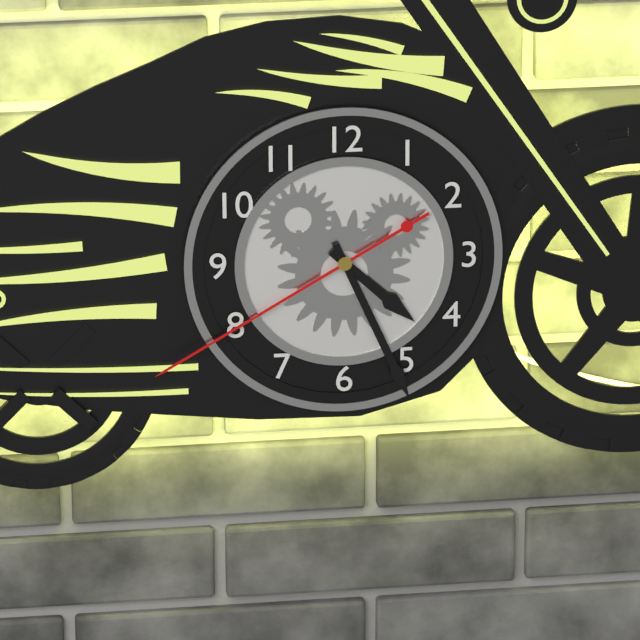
4,26,40
